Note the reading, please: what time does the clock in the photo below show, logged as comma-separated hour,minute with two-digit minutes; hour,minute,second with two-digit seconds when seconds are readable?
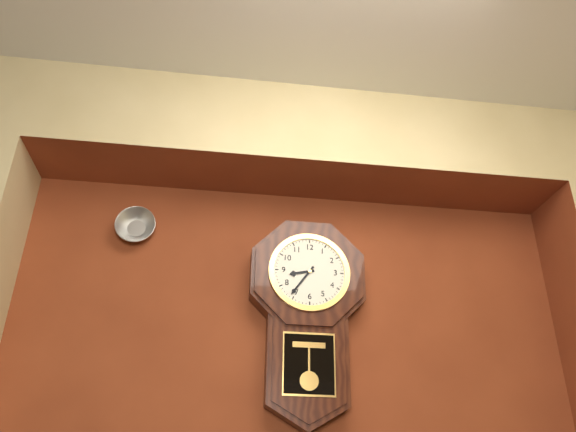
8,36
